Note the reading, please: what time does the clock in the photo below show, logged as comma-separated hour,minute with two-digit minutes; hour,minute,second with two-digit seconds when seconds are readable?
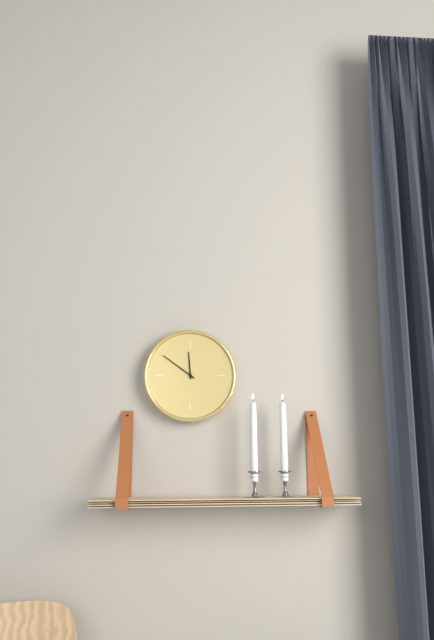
11,51
